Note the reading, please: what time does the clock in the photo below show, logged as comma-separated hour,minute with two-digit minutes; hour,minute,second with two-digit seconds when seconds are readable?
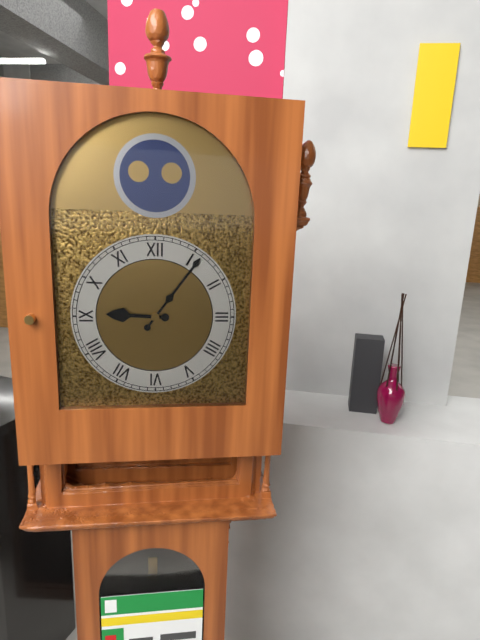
9,06
